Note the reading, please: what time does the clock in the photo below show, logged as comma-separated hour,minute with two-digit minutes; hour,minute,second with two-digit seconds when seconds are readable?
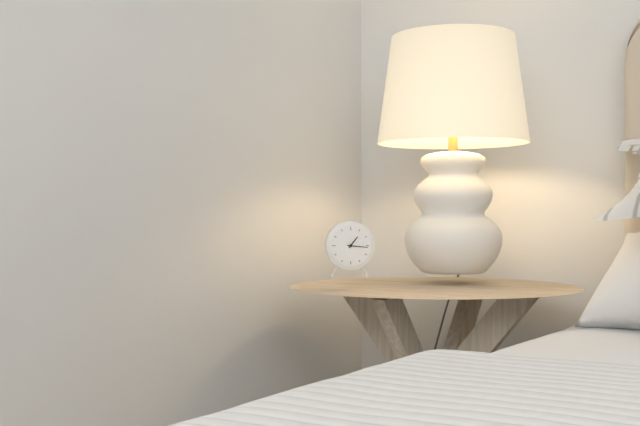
1,16
